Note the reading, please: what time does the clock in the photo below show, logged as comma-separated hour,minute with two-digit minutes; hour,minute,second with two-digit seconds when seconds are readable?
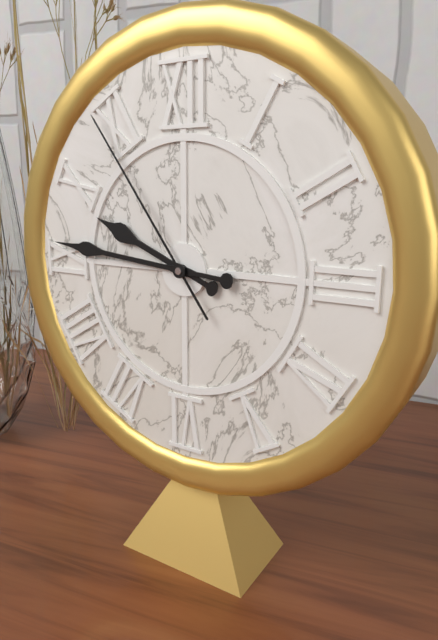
9,46,54
